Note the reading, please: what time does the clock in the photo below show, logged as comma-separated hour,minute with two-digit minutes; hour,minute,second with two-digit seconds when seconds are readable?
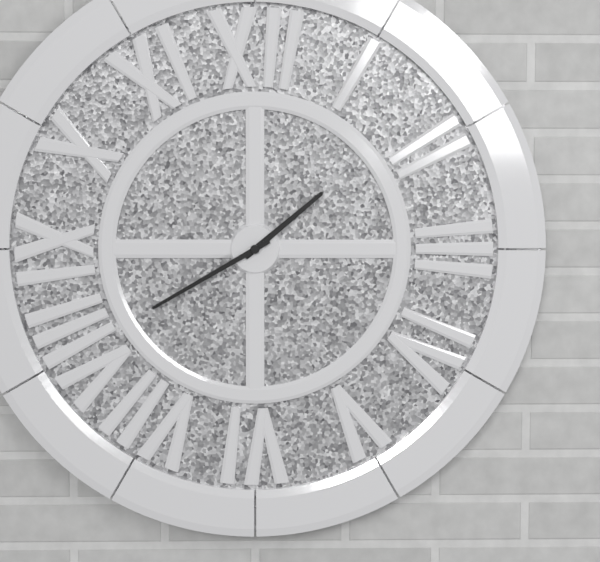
1,40
